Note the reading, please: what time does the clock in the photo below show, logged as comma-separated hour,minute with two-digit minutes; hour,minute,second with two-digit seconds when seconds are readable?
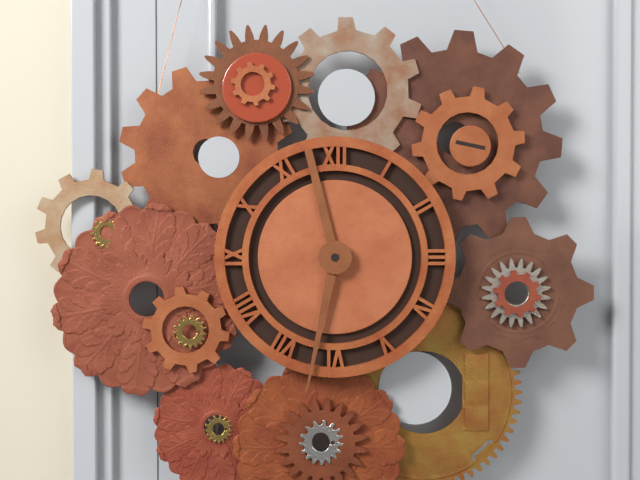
11,32
